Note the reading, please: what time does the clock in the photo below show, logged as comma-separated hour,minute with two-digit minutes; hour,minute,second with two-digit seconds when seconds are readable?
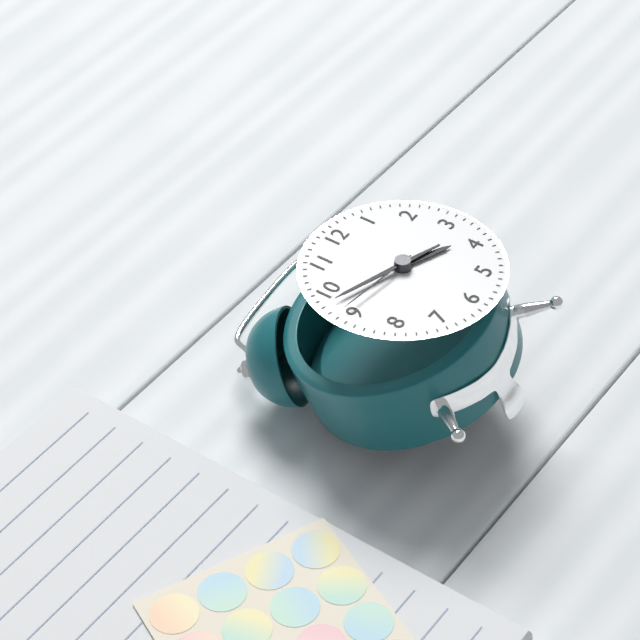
3,48,46
